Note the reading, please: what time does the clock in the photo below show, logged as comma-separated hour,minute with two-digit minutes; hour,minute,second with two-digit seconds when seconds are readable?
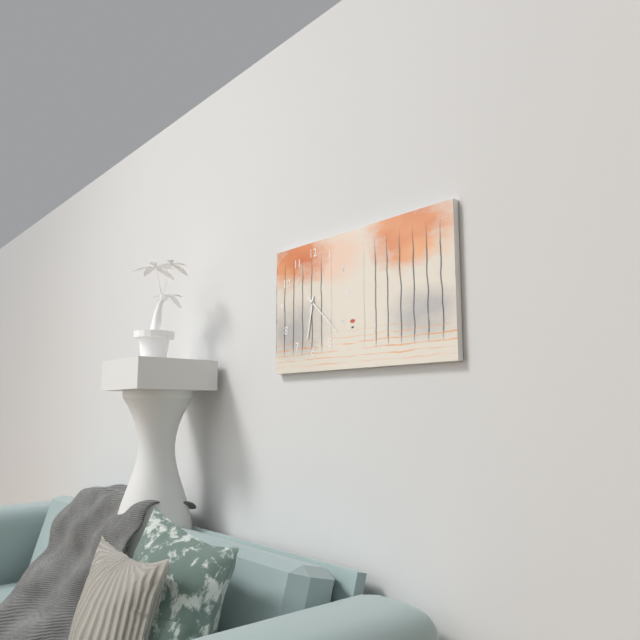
6,22
